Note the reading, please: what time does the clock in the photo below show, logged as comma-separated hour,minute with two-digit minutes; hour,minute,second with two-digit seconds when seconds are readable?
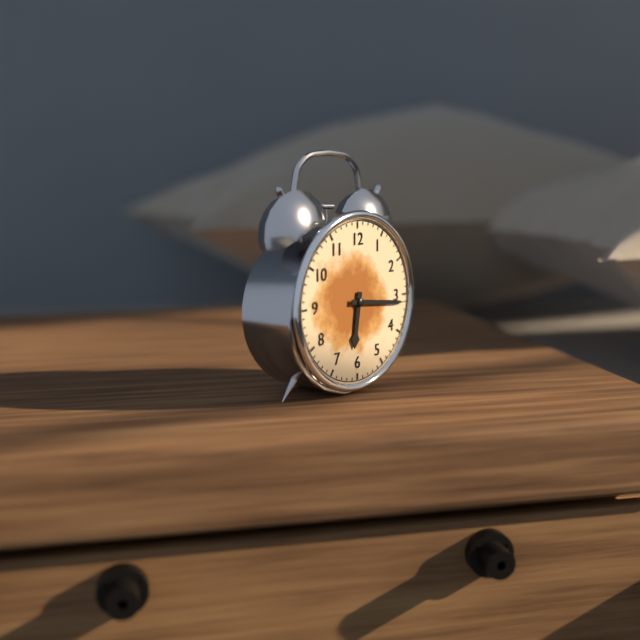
6,16
